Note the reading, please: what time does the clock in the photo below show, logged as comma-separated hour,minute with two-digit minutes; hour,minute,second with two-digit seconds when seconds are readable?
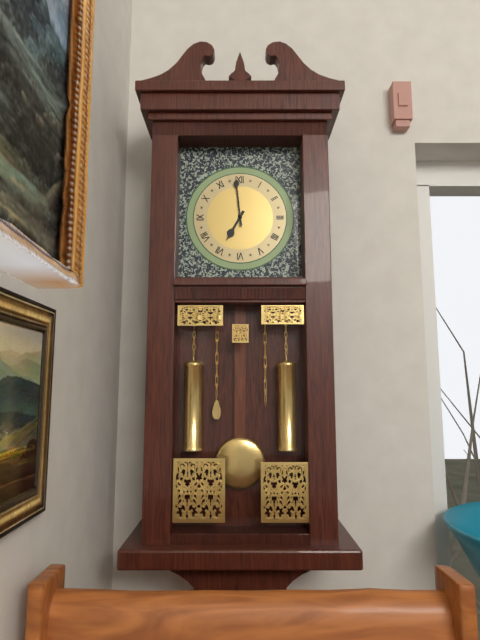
6,59
